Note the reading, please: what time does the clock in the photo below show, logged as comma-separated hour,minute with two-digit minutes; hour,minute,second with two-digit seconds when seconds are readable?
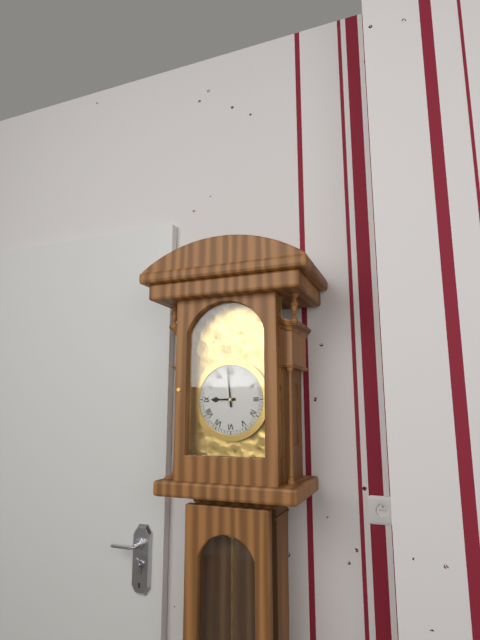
8,59
